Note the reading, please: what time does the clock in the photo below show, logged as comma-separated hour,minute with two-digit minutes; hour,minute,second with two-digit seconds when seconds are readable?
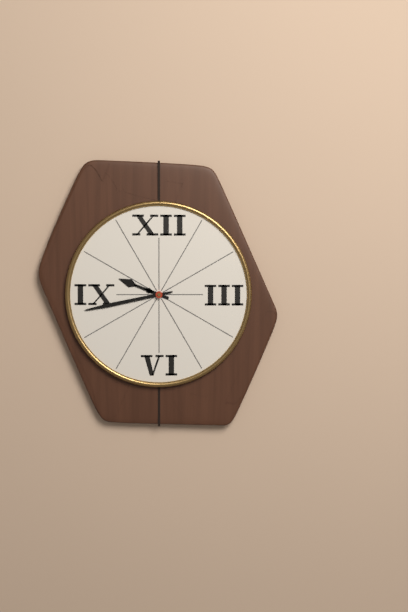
9,43
